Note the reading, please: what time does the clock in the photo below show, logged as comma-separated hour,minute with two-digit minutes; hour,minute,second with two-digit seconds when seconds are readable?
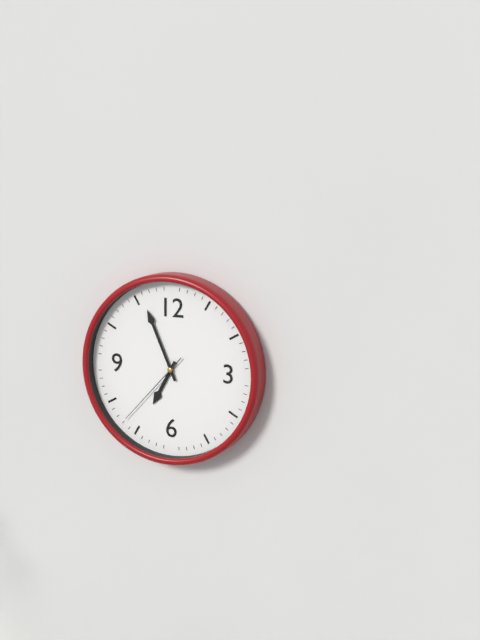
6,56,37
